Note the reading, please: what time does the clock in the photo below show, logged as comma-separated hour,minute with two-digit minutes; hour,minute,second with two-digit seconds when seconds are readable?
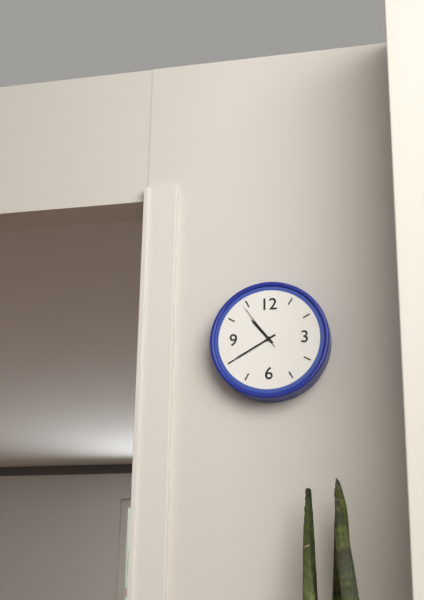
10,40,54
